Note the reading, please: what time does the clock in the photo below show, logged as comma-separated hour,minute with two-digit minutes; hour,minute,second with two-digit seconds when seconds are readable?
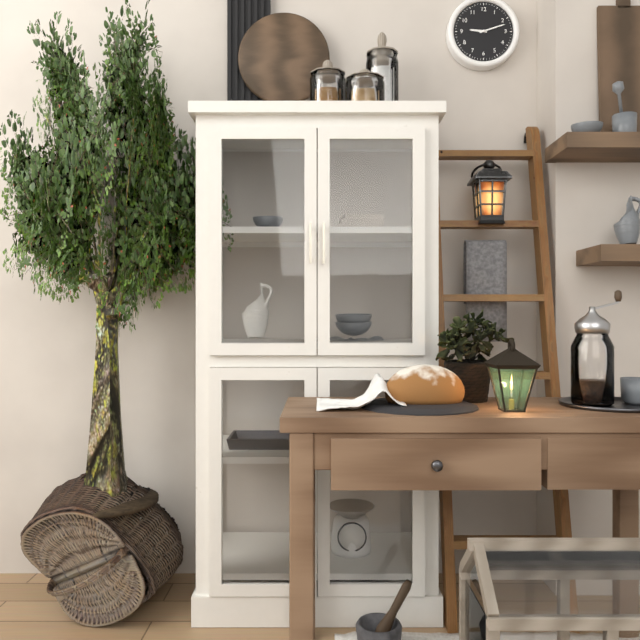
9,12
